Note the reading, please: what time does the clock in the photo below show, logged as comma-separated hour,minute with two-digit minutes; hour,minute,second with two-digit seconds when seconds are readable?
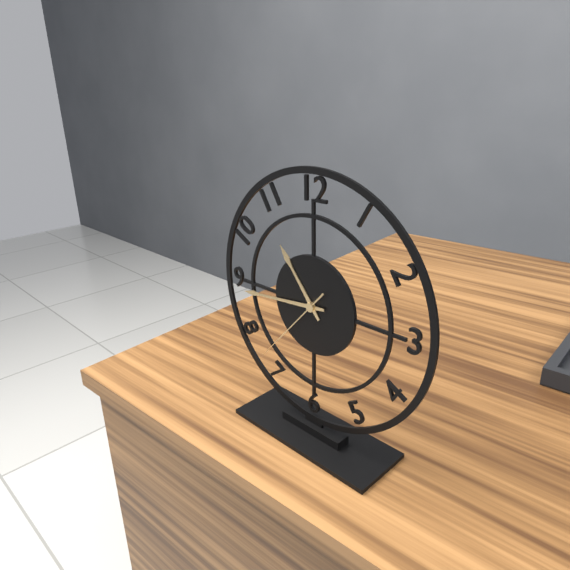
10,44,37
